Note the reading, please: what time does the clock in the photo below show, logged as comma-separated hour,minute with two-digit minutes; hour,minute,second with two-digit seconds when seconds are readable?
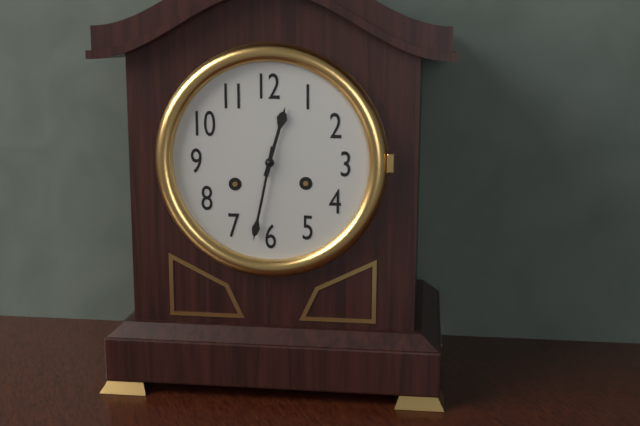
12,32
